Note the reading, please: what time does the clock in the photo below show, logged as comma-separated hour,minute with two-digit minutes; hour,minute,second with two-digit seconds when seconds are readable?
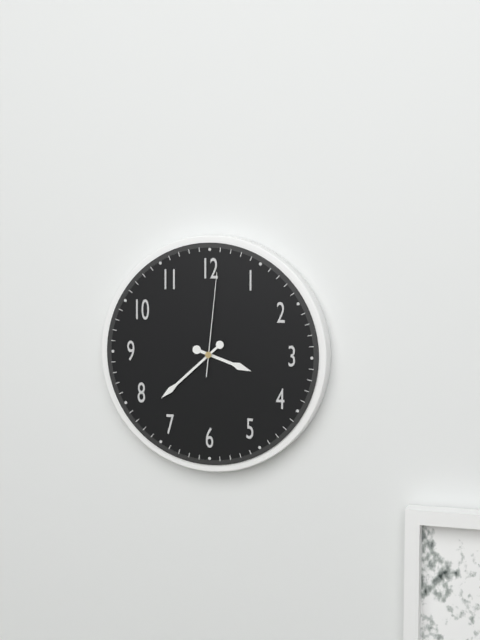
3,38,01
